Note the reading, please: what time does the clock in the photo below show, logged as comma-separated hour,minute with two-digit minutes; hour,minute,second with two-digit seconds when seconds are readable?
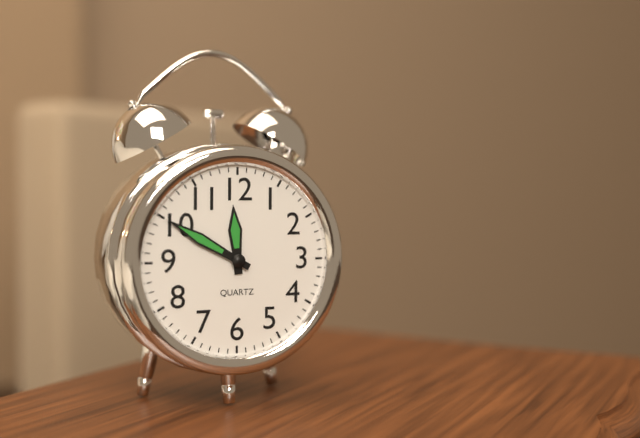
11,50
